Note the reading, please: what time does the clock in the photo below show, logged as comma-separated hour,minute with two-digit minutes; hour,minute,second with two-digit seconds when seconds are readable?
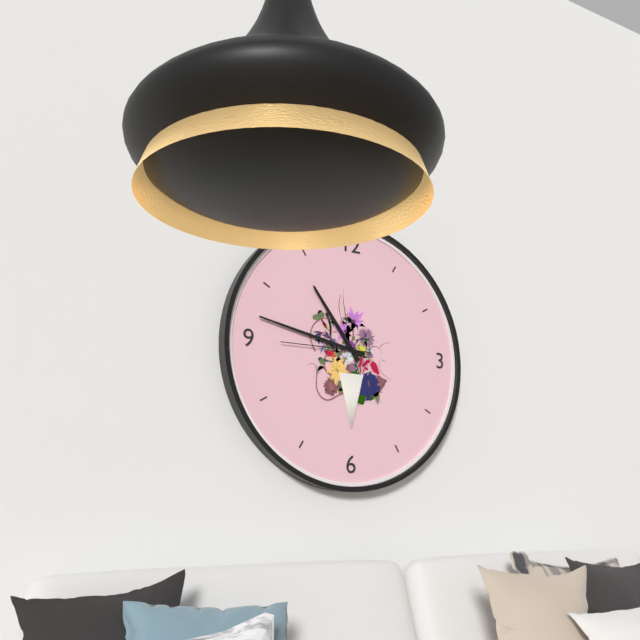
10,47,45
